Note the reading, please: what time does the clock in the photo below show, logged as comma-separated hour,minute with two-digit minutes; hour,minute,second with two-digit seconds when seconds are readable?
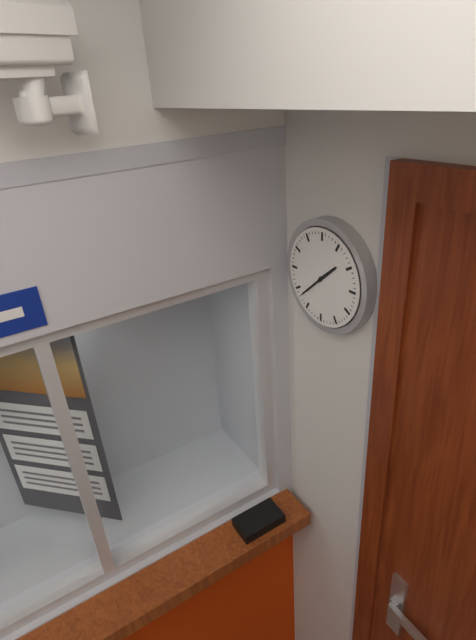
1,38
